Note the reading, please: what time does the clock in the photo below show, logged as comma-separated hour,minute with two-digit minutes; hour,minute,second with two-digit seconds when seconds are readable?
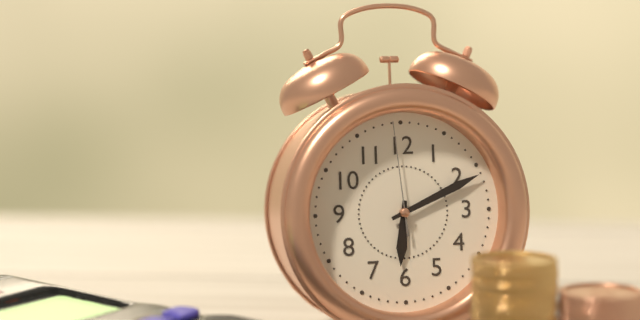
6,11,59
